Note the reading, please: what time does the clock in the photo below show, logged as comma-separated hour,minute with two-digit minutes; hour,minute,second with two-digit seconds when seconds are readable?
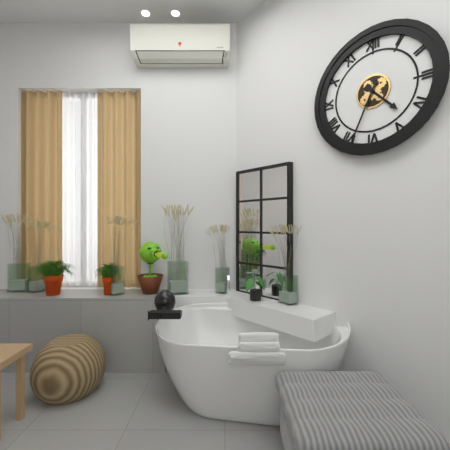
4,34
